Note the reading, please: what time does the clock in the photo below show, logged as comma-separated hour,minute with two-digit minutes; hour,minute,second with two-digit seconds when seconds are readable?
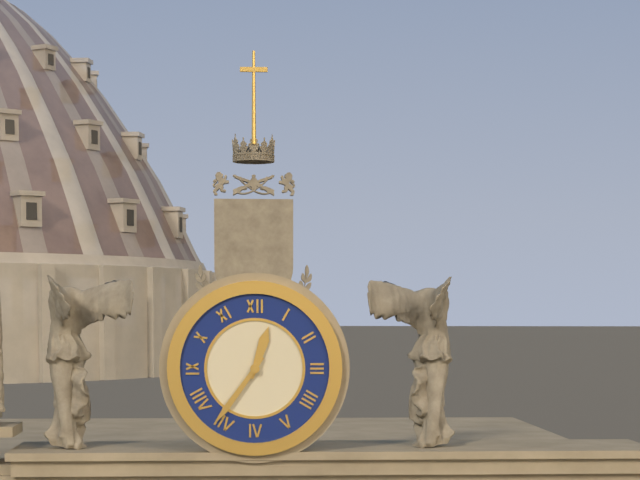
12,36
